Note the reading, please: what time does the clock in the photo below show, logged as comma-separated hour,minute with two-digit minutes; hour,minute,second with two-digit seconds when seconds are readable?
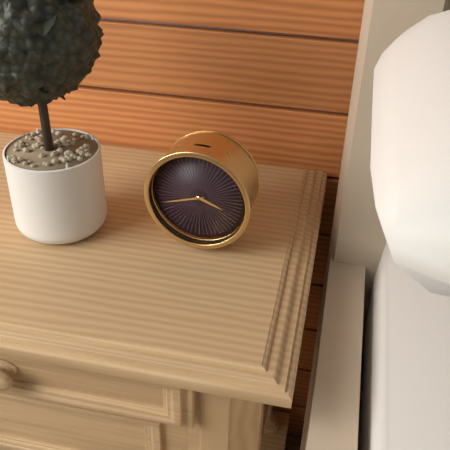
3,42
